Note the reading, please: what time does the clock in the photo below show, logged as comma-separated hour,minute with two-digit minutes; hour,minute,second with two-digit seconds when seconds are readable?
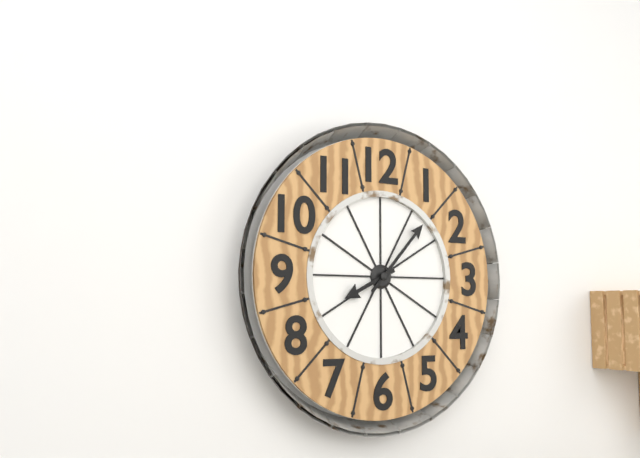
8,07
